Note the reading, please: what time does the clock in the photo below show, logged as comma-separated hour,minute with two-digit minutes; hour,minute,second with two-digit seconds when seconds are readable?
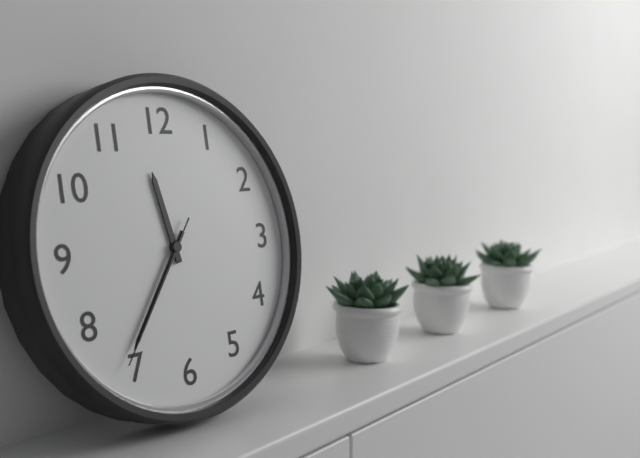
11,36,36
